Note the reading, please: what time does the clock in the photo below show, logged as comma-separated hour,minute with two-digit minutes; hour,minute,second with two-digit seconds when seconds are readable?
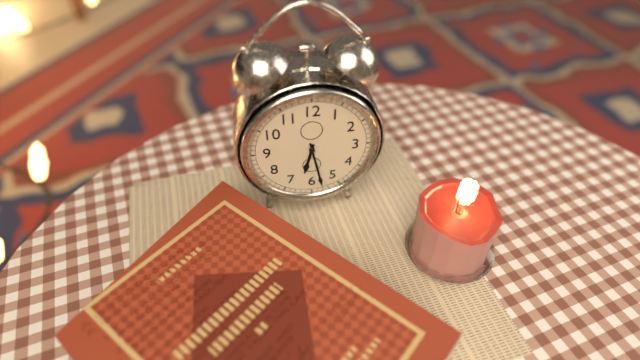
6,28
